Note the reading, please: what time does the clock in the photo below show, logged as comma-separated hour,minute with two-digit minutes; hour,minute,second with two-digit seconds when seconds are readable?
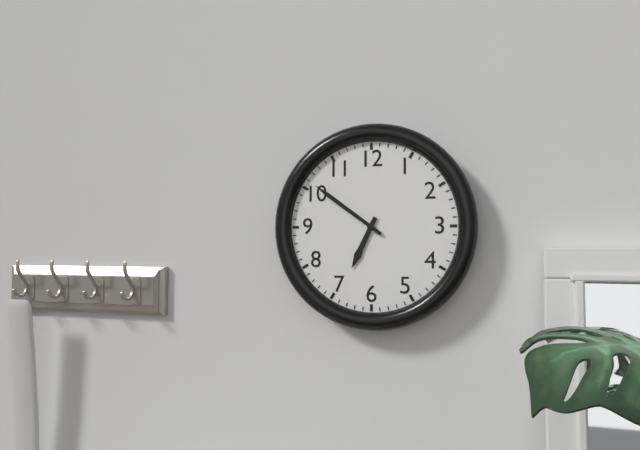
6,51
